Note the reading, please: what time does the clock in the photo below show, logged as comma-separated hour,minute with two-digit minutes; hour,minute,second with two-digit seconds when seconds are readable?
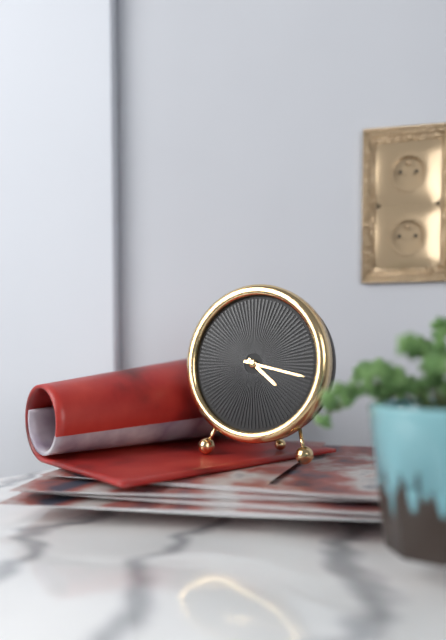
4,17
